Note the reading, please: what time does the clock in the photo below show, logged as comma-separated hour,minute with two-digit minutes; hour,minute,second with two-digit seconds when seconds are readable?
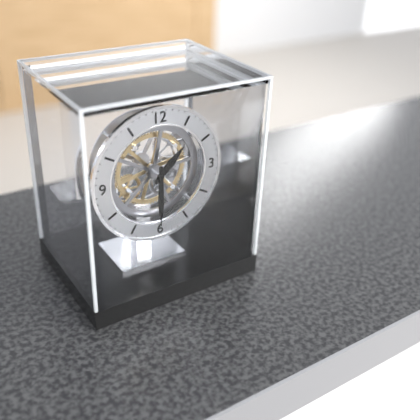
1,30
